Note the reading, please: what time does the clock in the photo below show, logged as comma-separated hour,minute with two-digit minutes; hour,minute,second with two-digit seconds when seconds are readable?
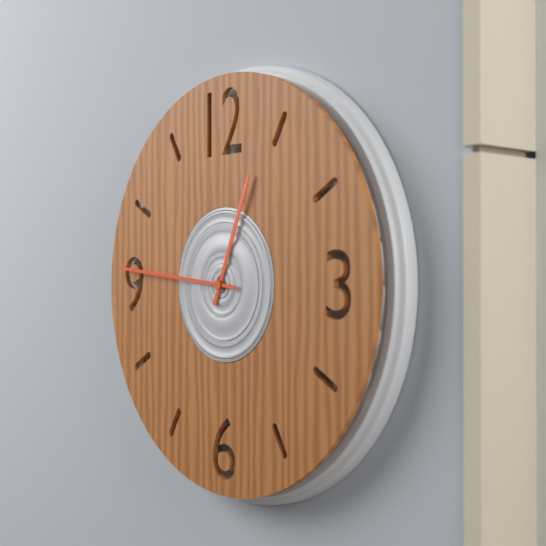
12,46
